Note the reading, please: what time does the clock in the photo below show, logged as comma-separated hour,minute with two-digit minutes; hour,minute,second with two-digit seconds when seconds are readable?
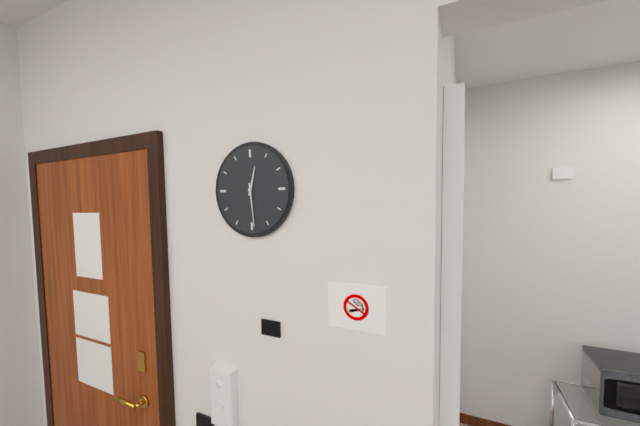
12,29
